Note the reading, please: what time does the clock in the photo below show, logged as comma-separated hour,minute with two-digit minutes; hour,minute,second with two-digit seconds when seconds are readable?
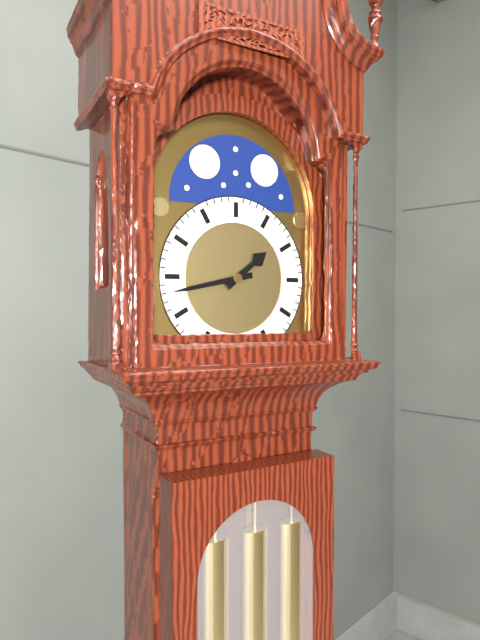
1,43
